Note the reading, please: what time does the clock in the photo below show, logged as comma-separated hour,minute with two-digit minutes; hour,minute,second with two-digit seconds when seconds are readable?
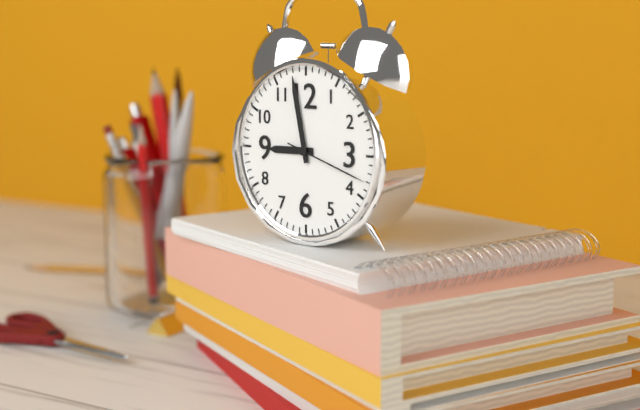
8,58,18
